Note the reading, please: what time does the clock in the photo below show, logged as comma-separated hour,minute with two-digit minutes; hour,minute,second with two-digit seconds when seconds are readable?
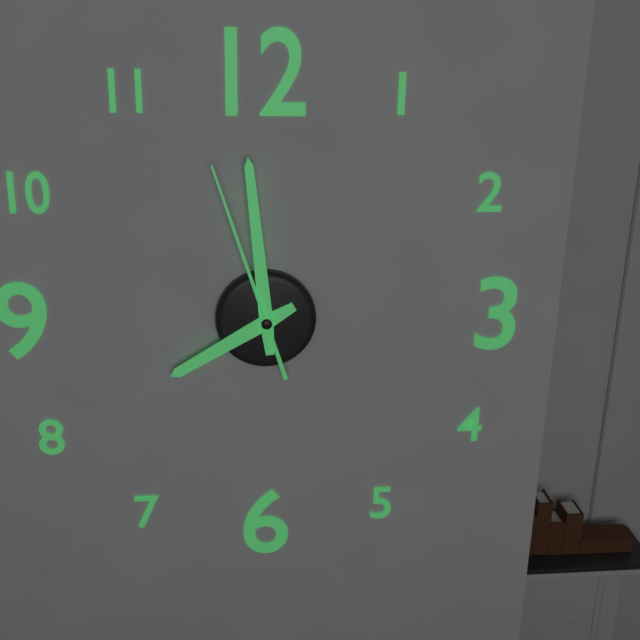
7,59,57
